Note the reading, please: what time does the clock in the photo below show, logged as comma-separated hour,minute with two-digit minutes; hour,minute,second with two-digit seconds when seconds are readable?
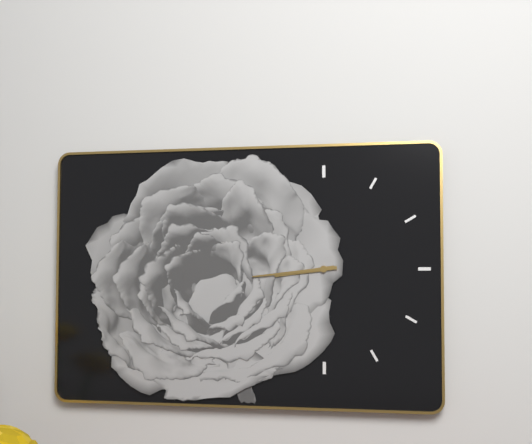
8,44
